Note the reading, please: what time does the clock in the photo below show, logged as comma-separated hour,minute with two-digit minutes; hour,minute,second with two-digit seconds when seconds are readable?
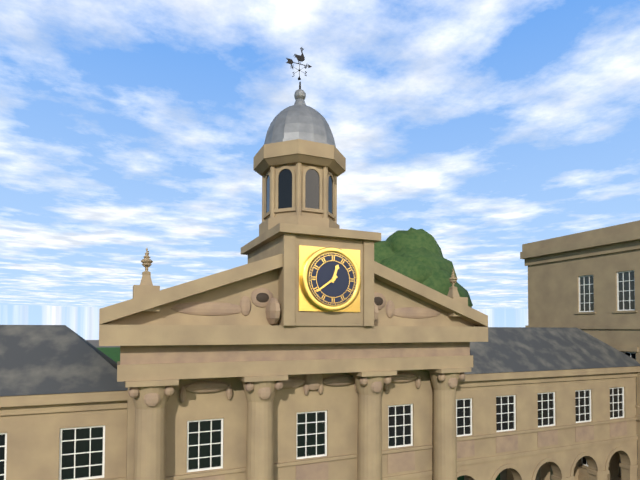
12,39
